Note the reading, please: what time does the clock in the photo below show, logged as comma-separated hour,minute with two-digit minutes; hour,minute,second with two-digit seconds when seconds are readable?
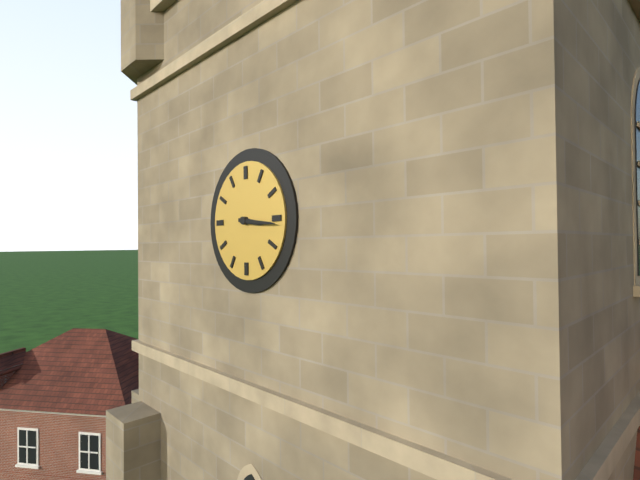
3,16
